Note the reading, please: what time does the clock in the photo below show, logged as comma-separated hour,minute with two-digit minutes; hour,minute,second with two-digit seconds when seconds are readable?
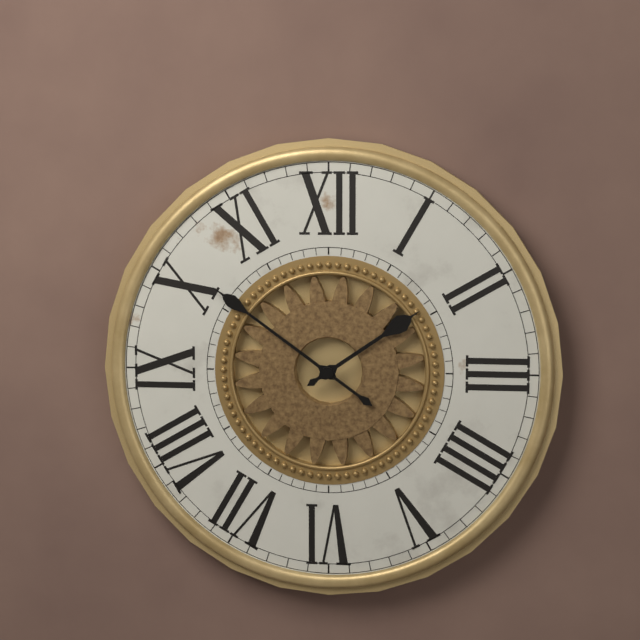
1,51
